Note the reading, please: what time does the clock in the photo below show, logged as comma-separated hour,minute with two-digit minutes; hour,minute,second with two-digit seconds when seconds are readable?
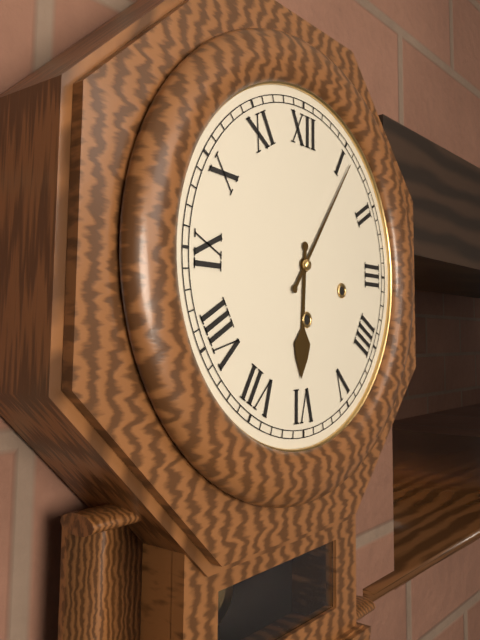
6,06
